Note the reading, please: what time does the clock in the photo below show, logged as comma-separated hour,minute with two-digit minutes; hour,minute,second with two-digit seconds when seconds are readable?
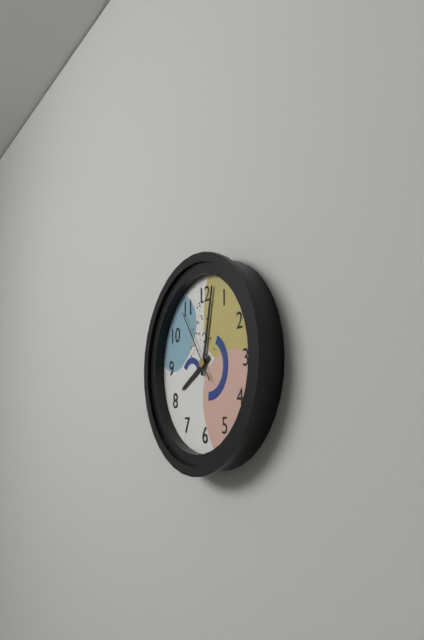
8,02,54
